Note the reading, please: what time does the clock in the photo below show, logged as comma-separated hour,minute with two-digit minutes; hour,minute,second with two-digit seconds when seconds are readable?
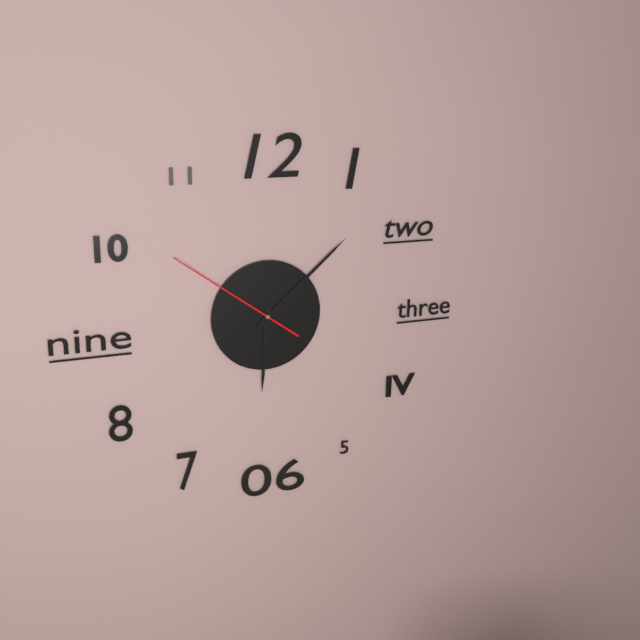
6,08,51
